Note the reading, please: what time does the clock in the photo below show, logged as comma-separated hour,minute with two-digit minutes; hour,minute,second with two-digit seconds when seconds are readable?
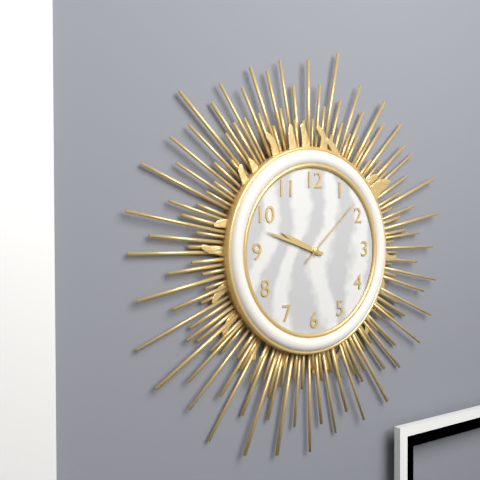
9,48,08
